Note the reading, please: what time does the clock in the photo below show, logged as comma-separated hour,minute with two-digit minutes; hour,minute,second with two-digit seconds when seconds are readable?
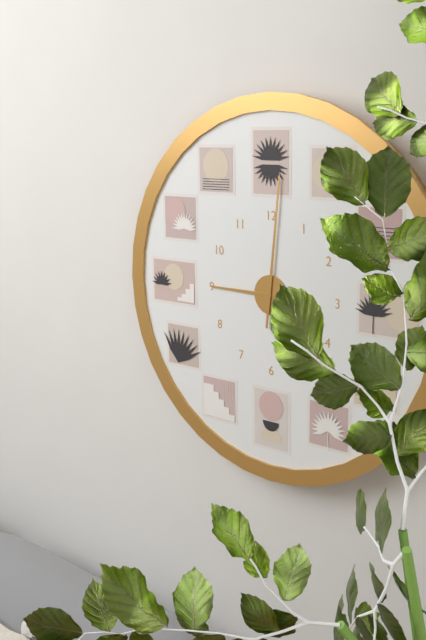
9,01
